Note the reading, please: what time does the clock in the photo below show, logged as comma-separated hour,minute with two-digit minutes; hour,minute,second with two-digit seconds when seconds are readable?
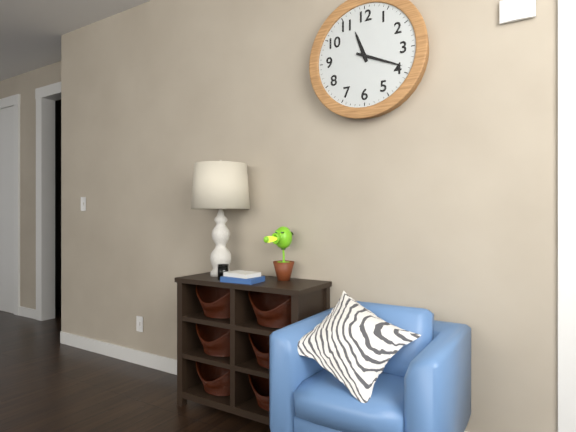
11,19
